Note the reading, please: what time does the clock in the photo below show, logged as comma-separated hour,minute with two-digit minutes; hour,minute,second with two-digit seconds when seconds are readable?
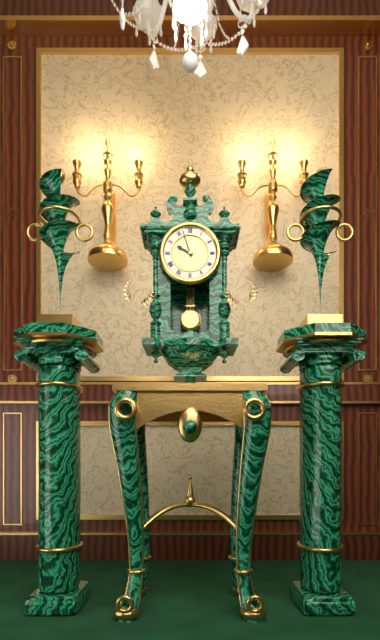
9,57
